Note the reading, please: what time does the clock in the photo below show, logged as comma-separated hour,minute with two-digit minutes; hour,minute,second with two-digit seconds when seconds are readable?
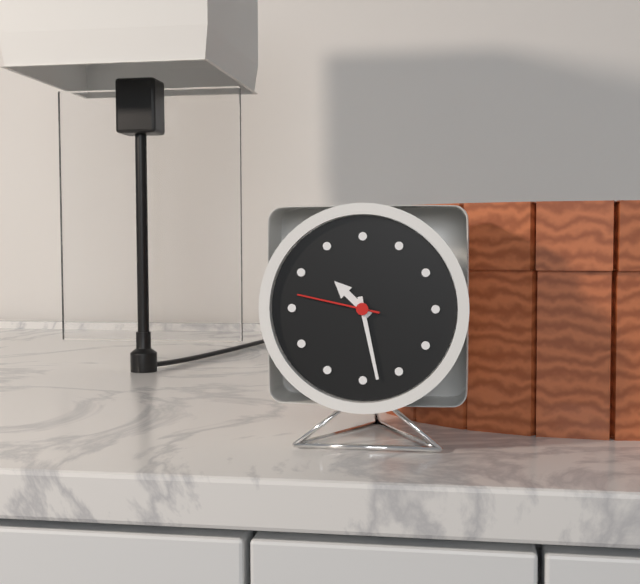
10,28,47
